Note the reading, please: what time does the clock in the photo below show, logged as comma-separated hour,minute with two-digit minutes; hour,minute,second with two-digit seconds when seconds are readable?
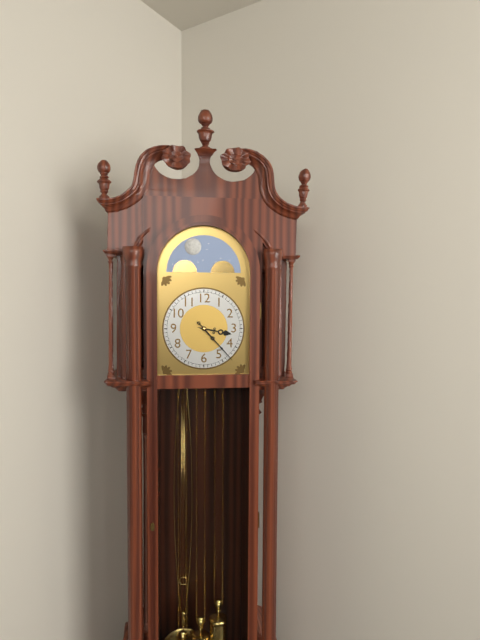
3,23
